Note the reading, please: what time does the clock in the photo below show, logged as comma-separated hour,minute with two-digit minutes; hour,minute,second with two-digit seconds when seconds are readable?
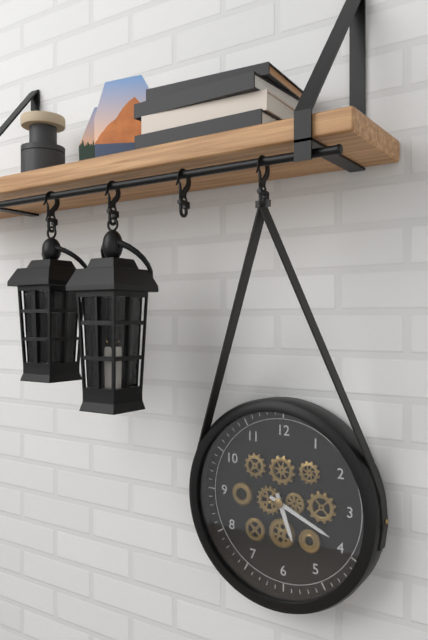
5,19
